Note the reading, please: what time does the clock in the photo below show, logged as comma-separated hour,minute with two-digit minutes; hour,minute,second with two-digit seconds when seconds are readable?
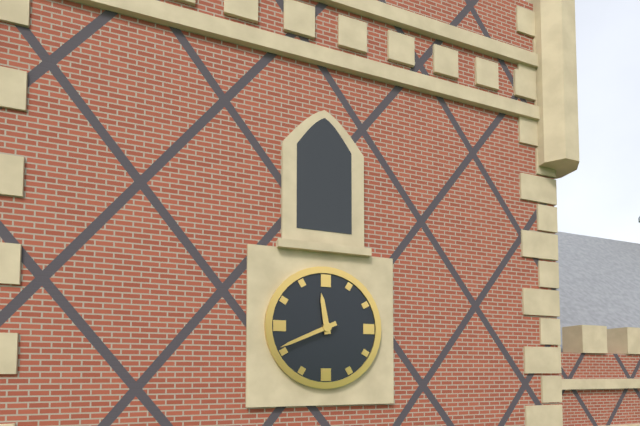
11,41
